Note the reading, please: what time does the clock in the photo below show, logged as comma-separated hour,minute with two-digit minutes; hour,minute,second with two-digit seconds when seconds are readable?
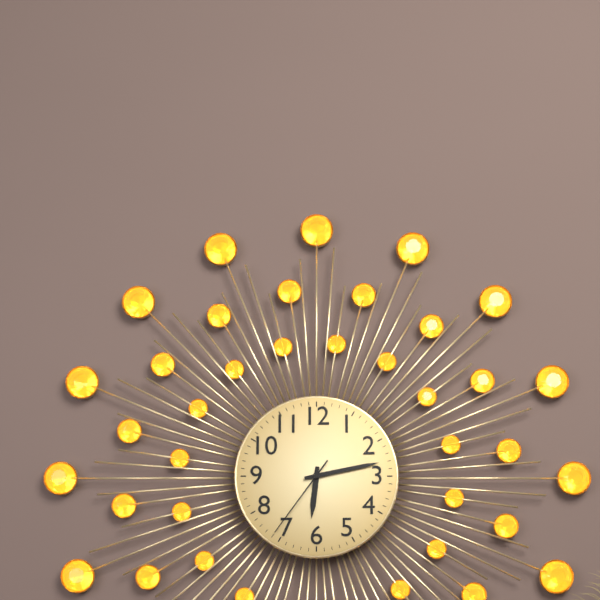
6,13,36
